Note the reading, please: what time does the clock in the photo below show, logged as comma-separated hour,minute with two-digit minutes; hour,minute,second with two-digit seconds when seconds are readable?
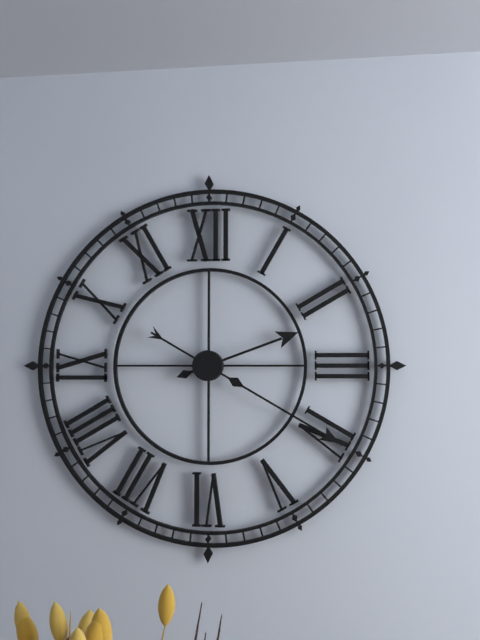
2,20
